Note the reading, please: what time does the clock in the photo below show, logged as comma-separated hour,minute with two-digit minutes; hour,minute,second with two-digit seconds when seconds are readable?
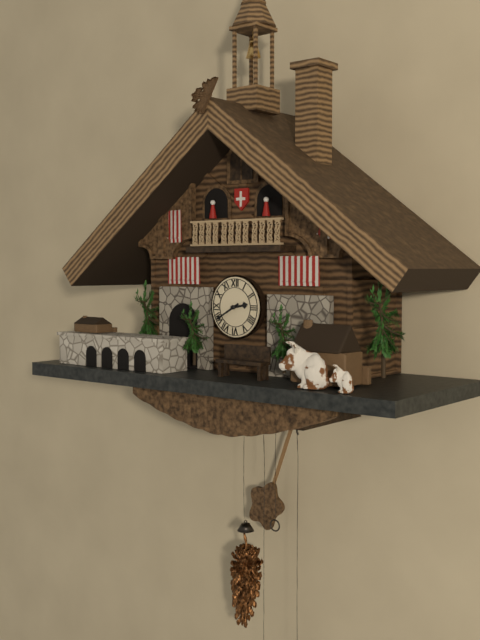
2,40
